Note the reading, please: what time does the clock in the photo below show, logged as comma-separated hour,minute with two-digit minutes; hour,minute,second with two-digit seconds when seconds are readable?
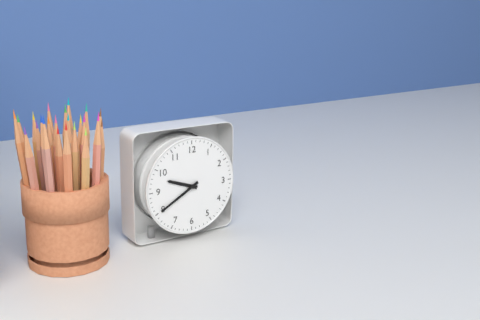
9,40
